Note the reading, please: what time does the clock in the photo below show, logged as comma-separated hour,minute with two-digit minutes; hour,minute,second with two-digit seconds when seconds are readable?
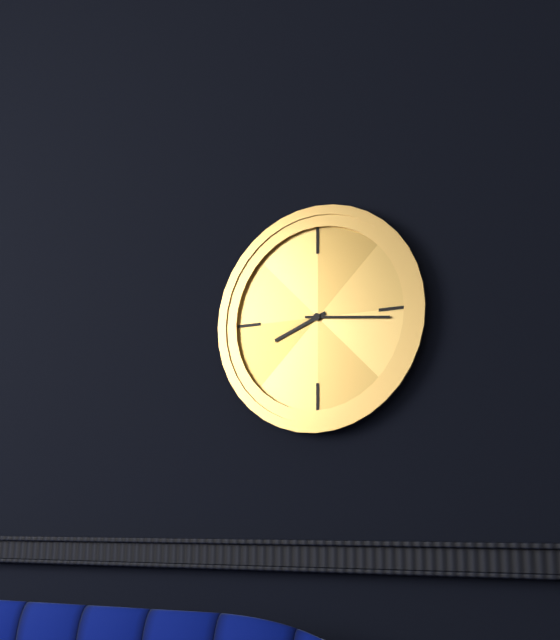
8,16
